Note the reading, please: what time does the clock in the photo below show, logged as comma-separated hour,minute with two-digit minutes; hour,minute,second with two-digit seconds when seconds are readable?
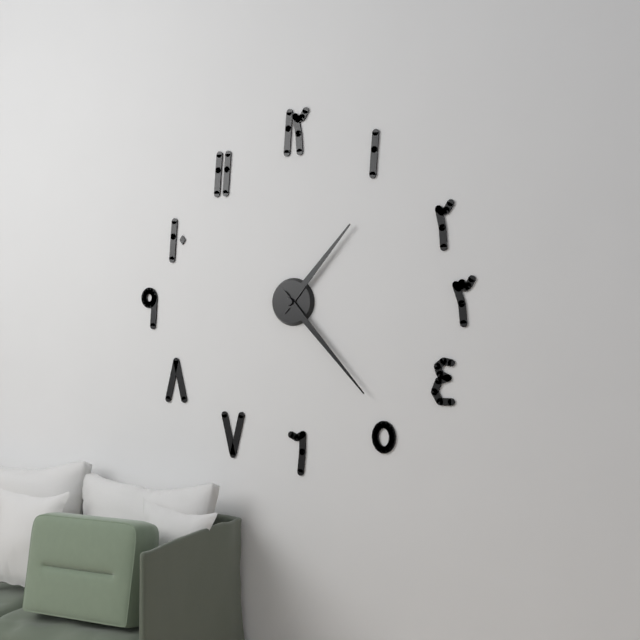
1,23
